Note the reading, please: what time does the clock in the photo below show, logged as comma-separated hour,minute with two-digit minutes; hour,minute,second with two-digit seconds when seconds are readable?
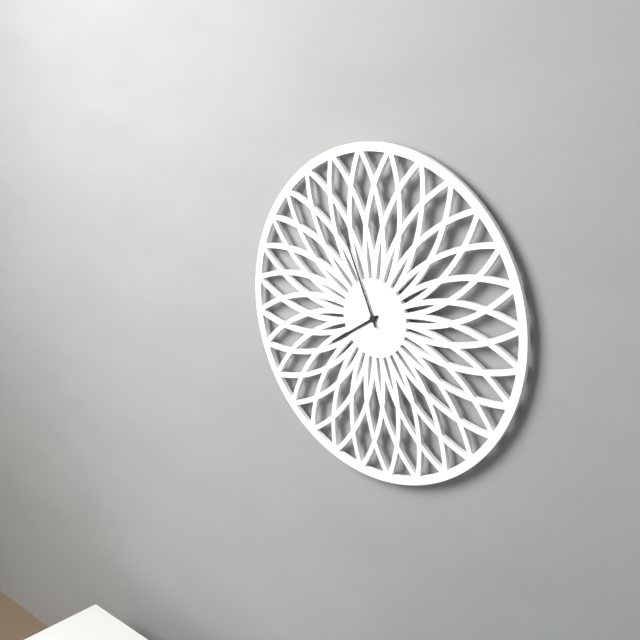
7,56
